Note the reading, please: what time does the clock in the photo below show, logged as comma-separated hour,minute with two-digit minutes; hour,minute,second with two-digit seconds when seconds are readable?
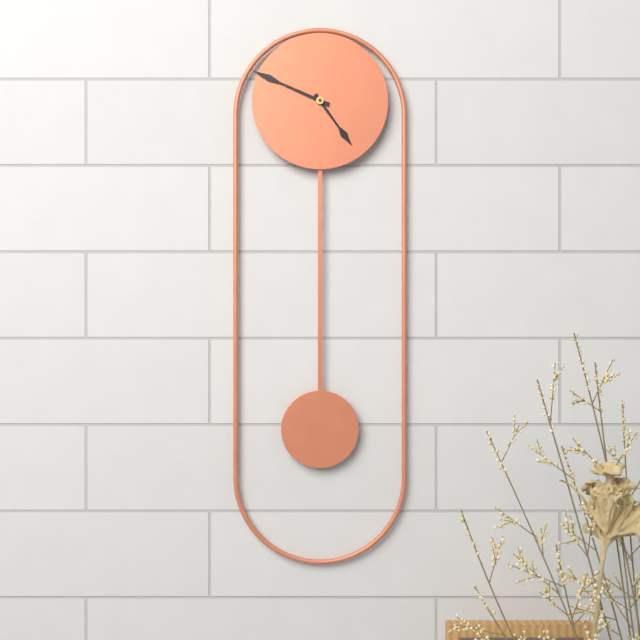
4,49
